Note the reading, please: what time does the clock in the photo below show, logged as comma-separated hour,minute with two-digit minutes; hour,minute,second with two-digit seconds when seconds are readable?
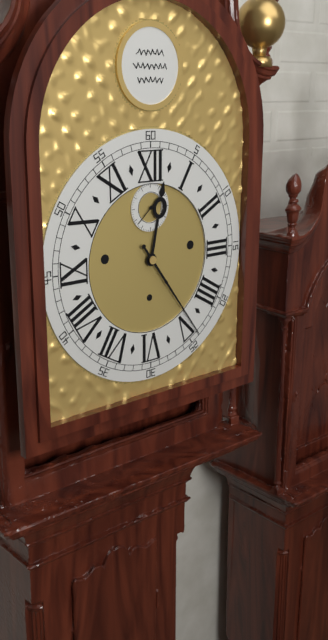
12,24
